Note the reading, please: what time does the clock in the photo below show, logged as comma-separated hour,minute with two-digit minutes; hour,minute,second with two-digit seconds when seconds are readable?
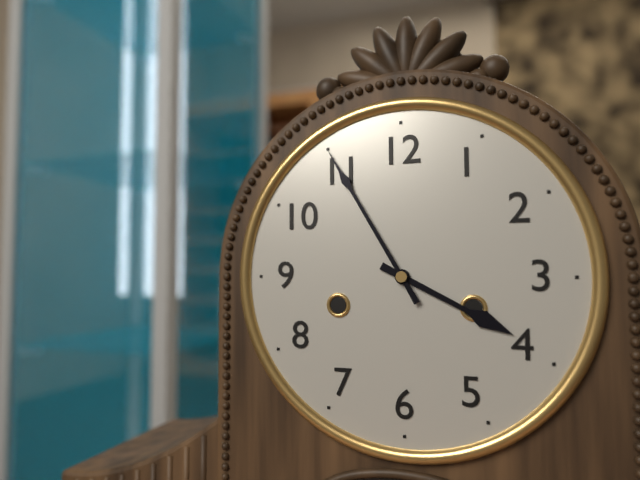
3,55
